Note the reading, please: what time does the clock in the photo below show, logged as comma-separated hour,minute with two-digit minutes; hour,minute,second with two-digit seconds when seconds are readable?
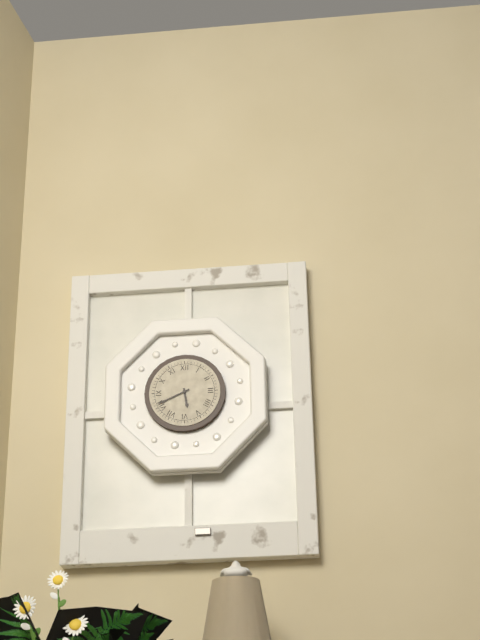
5,41
